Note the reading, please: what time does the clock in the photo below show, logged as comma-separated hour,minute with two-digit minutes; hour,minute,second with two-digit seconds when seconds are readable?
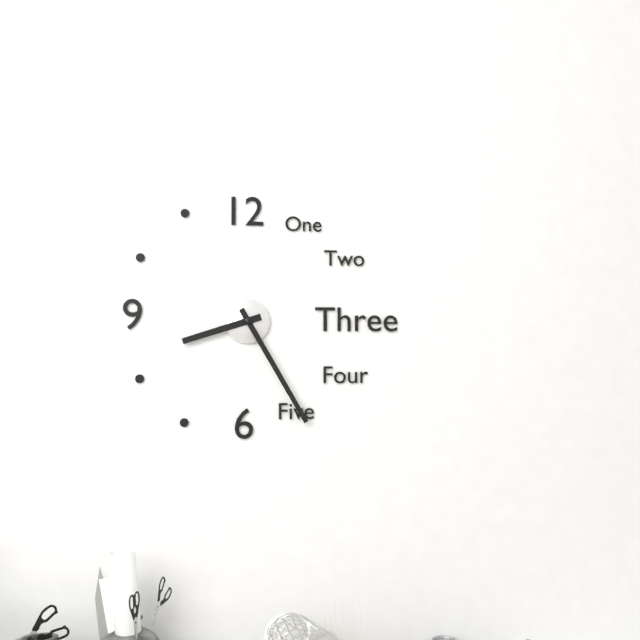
8,25
